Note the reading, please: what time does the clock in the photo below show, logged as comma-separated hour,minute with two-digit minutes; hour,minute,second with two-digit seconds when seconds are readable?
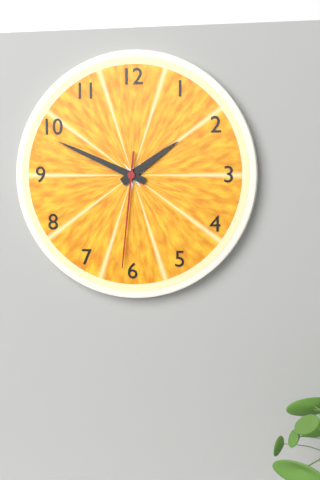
1,49,31
